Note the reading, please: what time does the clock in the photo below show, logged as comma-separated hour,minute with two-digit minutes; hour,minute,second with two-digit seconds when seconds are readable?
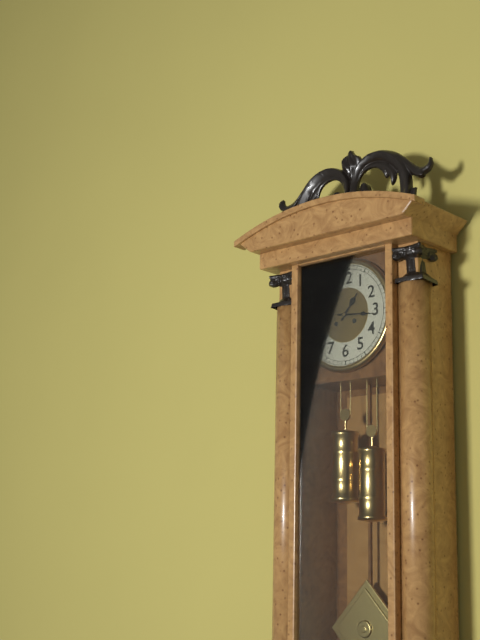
1,16
